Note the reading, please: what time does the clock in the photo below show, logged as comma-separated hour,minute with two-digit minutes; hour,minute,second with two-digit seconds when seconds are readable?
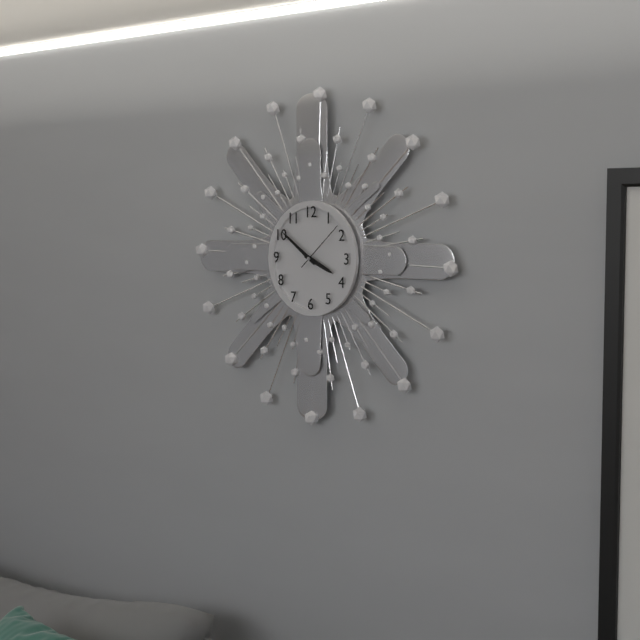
3,51,08
